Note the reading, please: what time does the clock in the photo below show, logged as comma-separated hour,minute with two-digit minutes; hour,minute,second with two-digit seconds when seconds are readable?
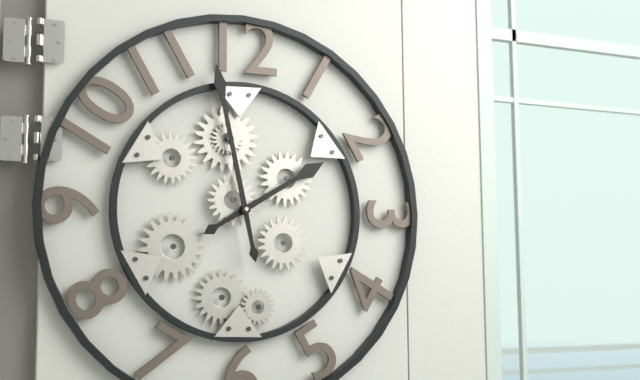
1,58
